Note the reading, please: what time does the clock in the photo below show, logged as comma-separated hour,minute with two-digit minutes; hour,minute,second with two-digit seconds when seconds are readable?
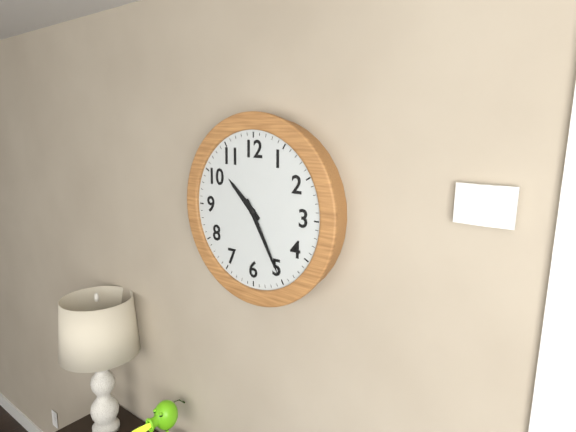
10,25
